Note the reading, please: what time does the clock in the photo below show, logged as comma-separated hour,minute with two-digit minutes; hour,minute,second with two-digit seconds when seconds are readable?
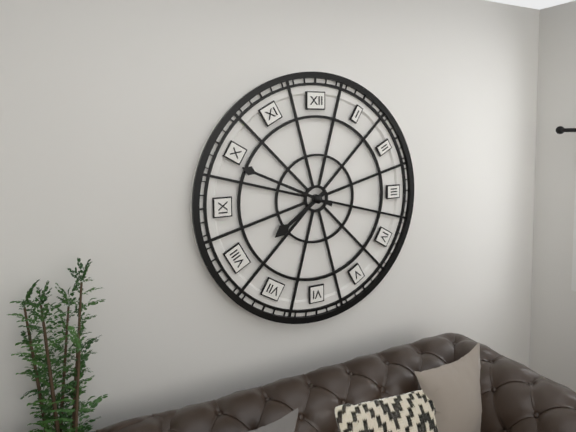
7,49
